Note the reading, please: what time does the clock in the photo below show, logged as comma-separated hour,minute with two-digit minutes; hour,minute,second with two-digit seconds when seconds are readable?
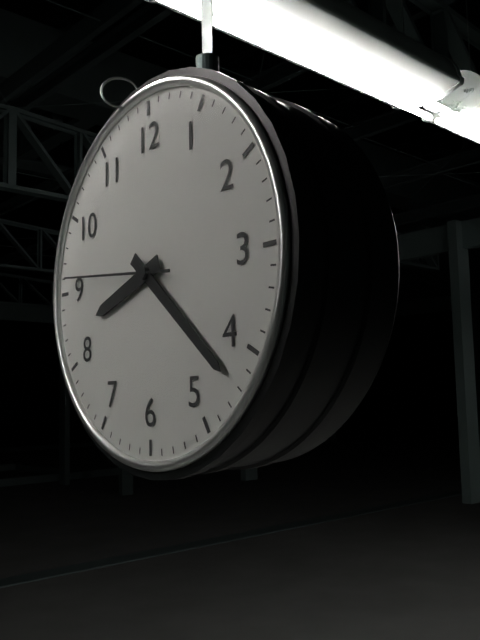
8,22,46
